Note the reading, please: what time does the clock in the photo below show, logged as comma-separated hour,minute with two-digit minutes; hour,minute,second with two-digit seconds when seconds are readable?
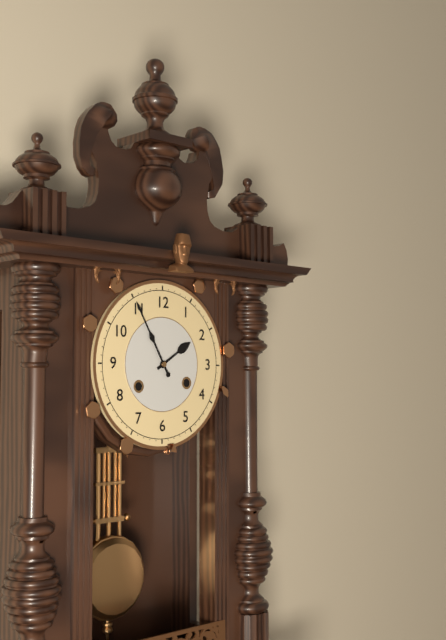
1,55
